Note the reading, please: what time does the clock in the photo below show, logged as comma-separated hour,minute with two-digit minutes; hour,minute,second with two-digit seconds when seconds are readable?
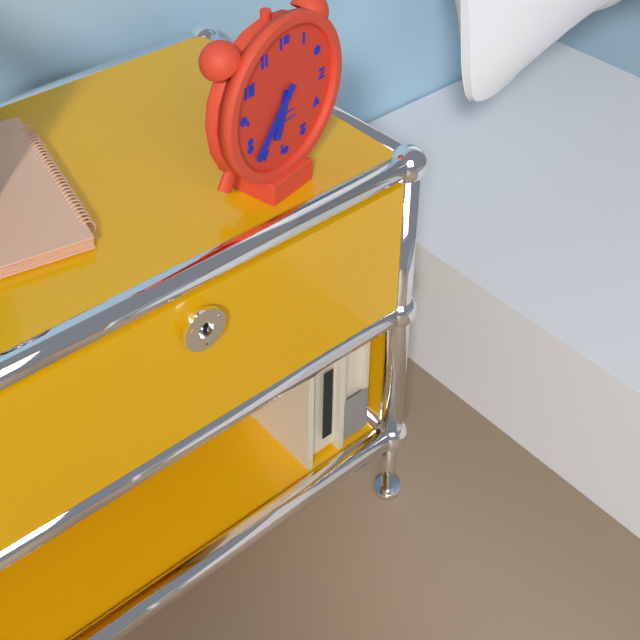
6,37
